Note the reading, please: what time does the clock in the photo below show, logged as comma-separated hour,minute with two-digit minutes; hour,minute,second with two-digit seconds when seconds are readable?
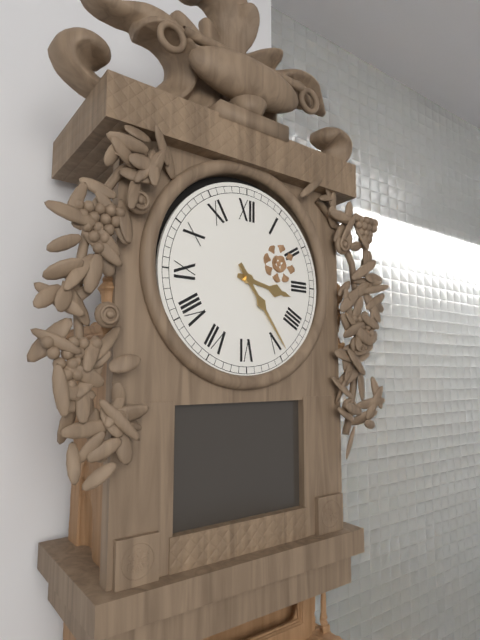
3,24
